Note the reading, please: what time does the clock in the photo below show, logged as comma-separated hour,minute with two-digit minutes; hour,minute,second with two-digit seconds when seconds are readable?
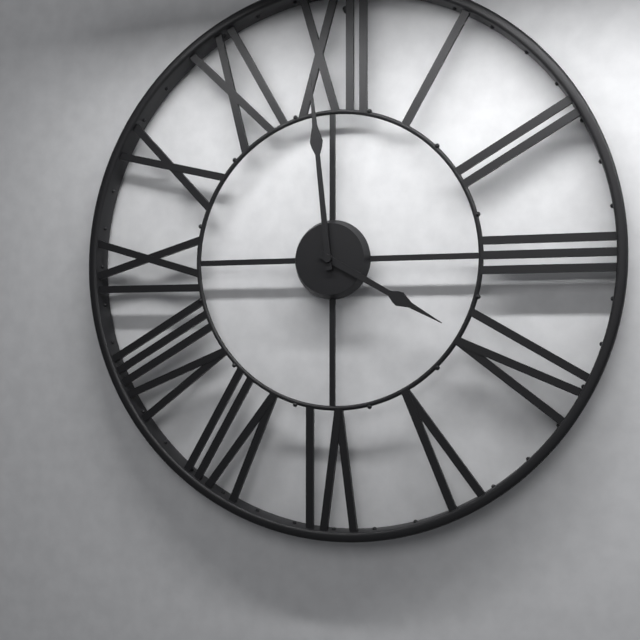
3,59
